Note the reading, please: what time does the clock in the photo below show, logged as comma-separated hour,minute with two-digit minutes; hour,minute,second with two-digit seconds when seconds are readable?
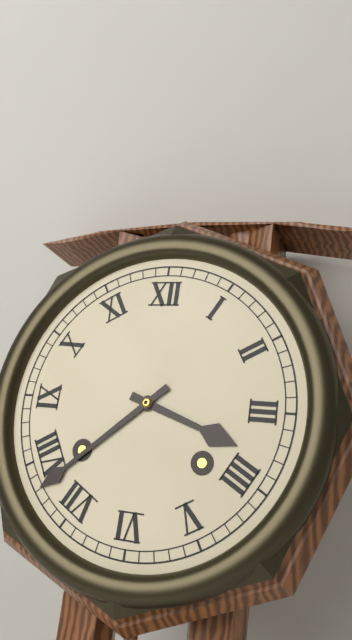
3,38
